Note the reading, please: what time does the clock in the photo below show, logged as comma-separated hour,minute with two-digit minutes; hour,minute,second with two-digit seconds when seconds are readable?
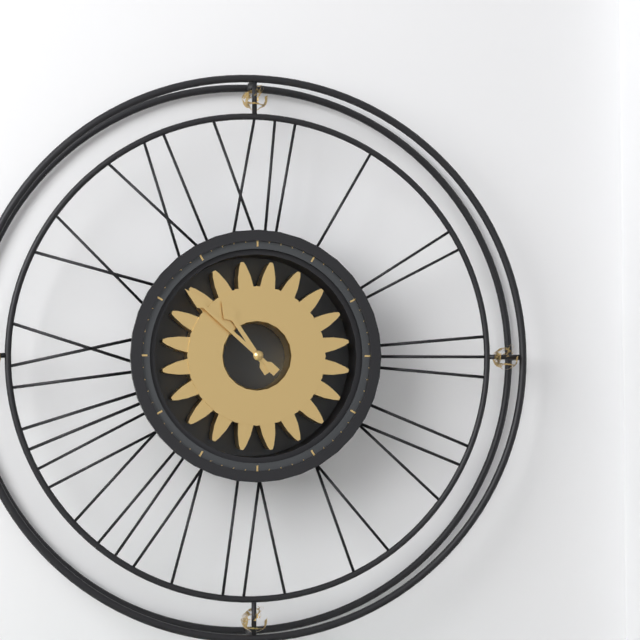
10,52
